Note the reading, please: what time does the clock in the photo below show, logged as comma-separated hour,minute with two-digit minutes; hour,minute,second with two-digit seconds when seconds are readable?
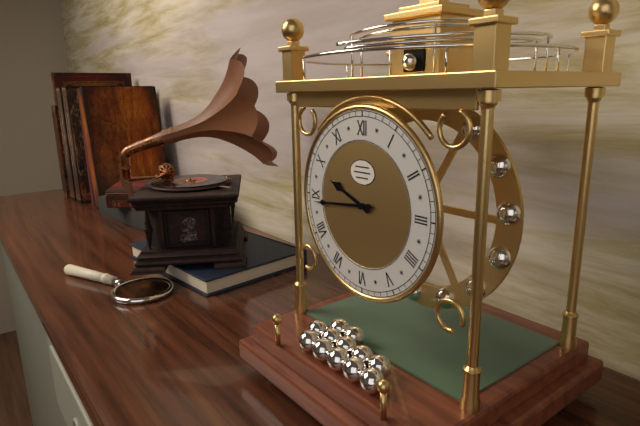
9,44
